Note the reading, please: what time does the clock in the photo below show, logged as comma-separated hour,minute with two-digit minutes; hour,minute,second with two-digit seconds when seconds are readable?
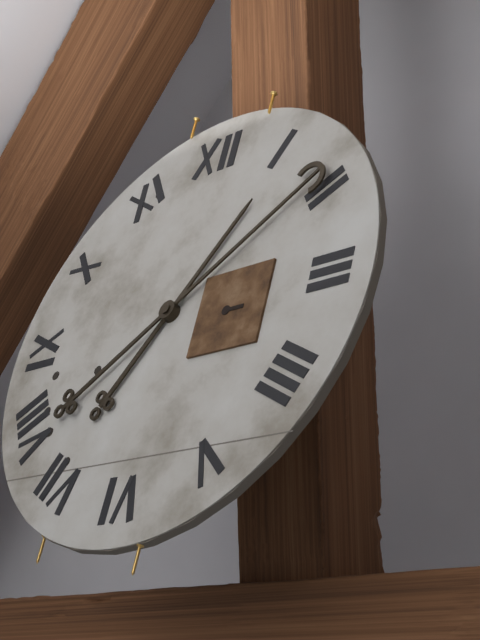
1,09
